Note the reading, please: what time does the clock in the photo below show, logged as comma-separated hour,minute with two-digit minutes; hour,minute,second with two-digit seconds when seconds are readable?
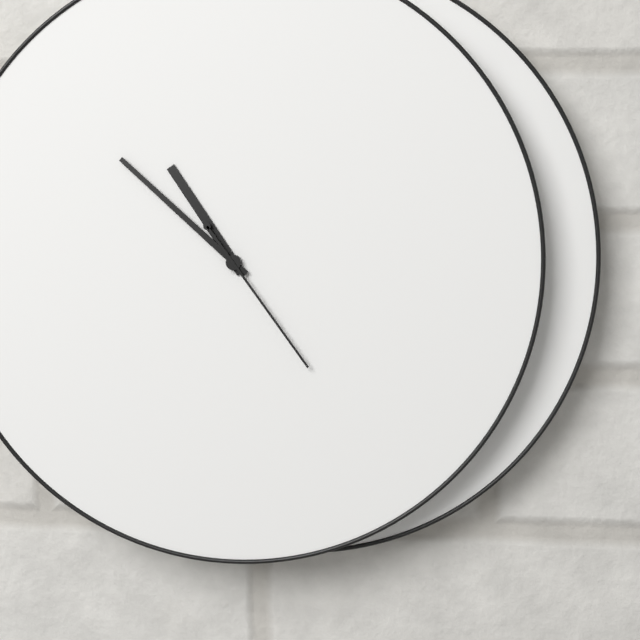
10,52,24
